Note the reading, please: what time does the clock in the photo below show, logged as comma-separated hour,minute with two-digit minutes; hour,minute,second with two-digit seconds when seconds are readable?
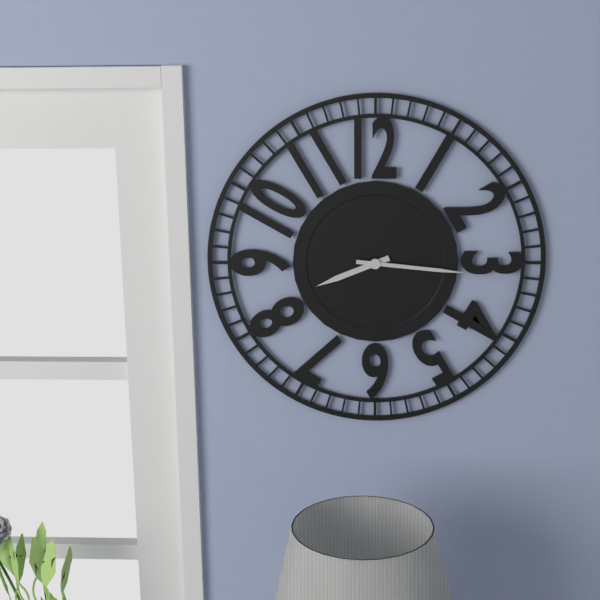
8,16
